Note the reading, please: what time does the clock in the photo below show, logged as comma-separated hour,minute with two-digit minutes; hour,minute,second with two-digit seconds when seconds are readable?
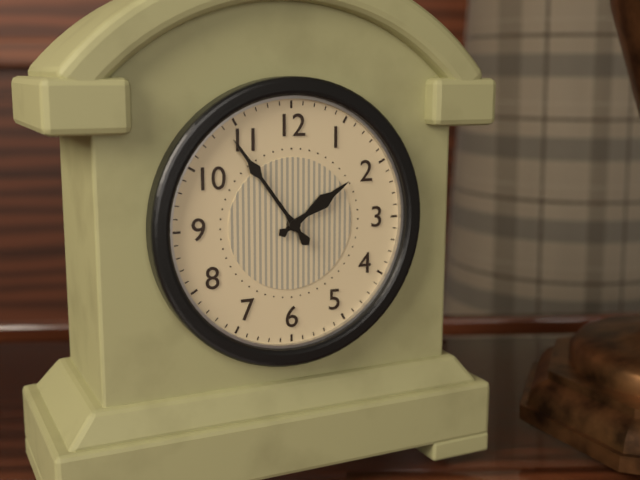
1,54
